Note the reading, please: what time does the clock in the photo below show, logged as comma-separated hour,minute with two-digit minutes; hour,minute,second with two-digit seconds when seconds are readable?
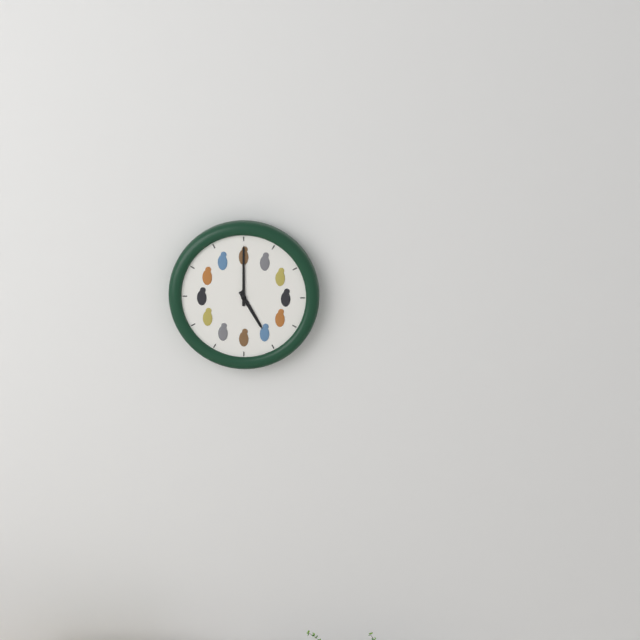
5,00
